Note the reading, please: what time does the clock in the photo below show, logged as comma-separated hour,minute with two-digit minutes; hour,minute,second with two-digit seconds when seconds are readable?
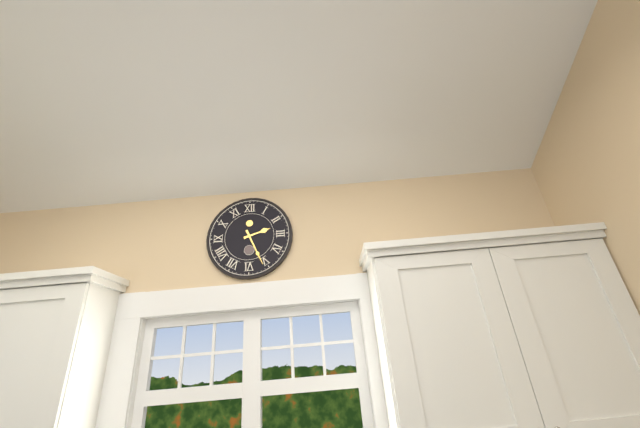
2,26
